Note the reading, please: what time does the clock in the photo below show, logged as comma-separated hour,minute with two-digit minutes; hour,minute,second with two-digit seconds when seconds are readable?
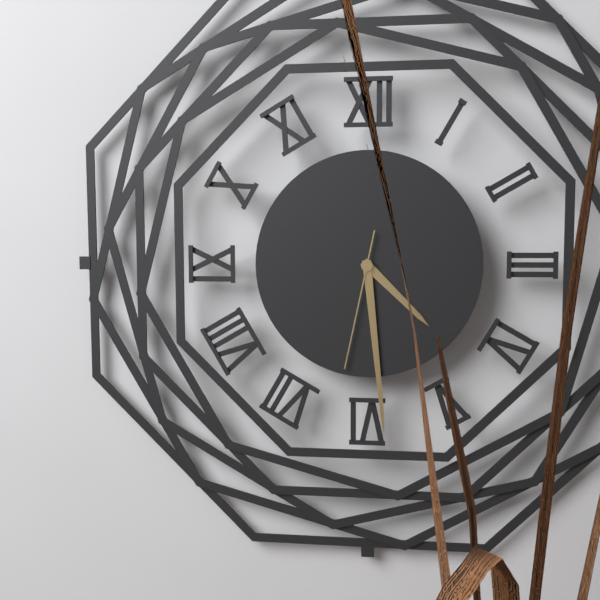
4,29,32
